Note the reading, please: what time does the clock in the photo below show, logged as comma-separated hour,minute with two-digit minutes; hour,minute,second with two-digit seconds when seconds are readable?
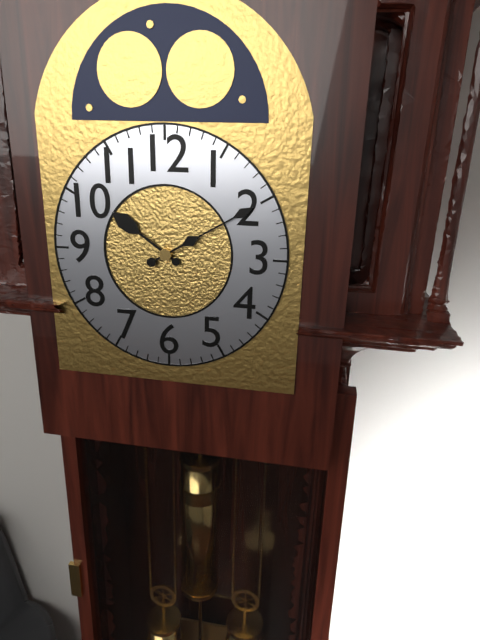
10,10
